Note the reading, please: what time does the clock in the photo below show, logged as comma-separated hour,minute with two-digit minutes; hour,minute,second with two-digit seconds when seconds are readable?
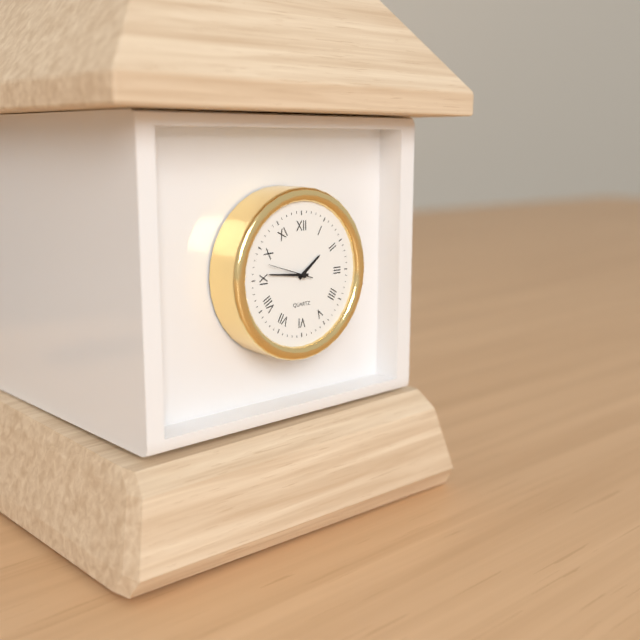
1,46
